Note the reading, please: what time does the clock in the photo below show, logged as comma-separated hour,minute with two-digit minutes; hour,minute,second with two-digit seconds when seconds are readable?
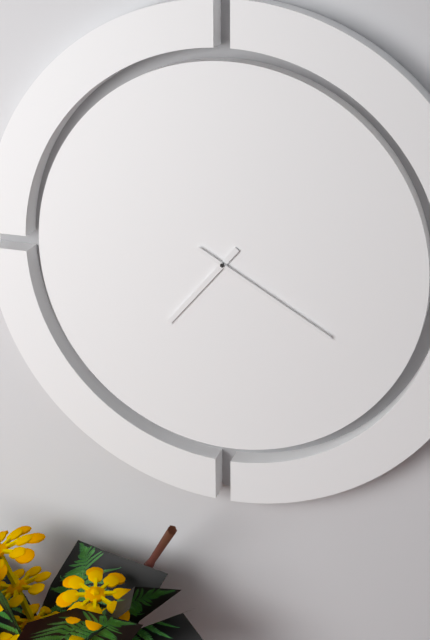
7,20
